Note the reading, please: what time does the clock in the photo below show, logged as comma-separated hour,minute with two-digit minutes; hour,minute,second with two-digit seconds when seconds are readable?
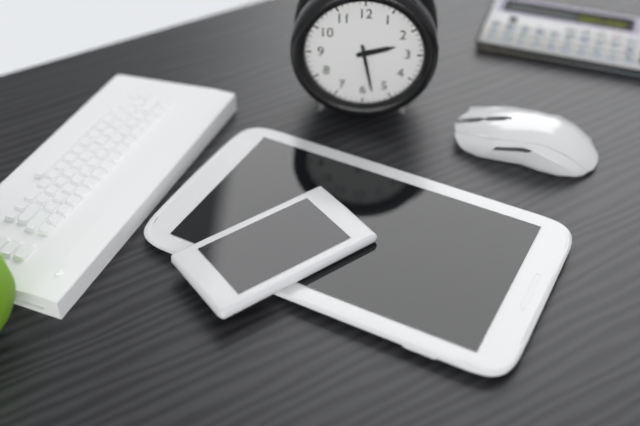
2,28
